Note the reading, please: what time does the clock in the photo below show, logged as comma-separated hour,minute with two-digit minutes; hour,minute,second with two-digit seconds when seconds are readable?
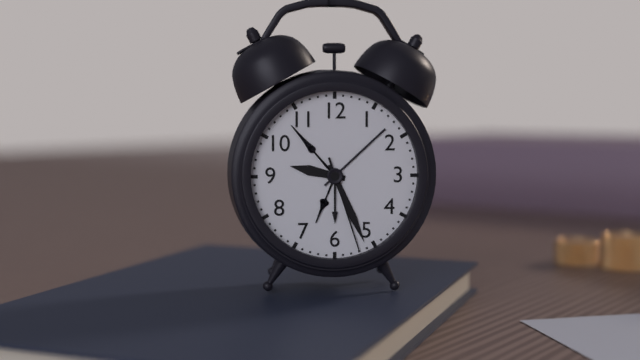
9,26,27
